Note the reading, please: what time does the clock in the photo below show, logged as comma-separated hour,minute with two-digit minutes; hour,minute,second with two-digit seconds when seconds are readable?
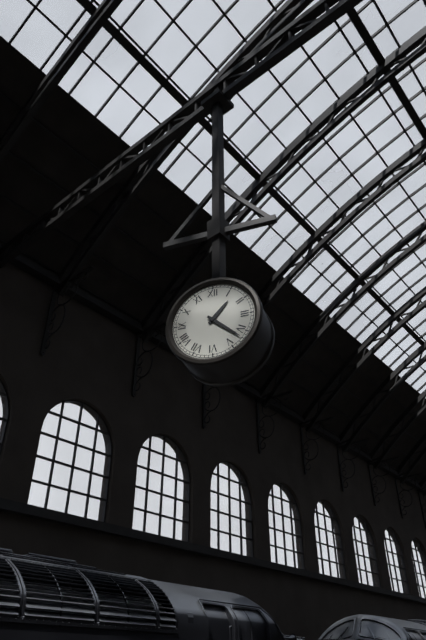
1,22
